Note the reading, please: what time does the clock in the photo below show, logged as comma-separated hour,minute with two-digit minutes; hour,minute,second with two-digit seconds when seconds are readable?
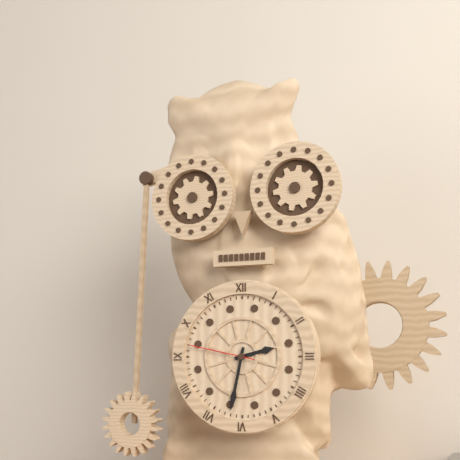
2,32,47
